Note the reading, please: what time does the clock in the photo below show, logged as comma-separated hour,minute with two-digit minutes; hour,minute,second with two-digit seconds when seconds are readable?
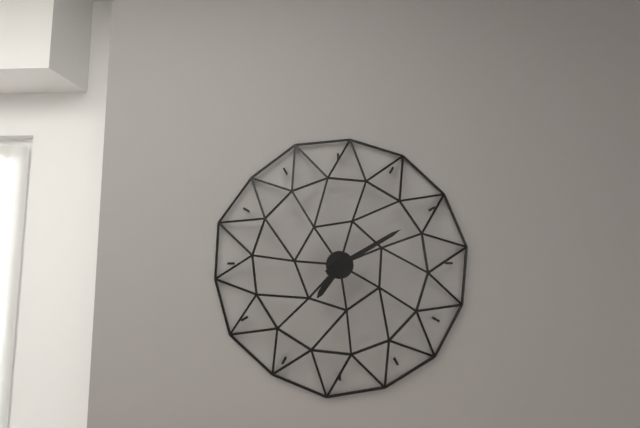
7,10
